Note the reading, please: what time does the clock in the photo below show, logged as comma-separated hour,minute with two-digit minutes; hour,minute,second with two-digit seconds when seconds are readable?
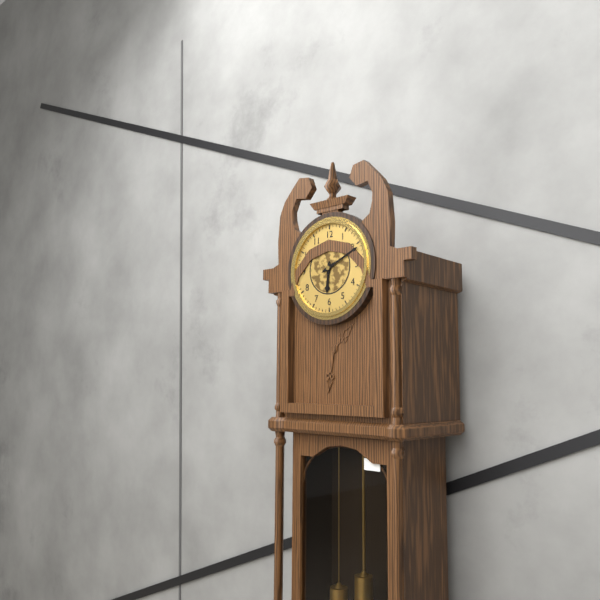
6,11
